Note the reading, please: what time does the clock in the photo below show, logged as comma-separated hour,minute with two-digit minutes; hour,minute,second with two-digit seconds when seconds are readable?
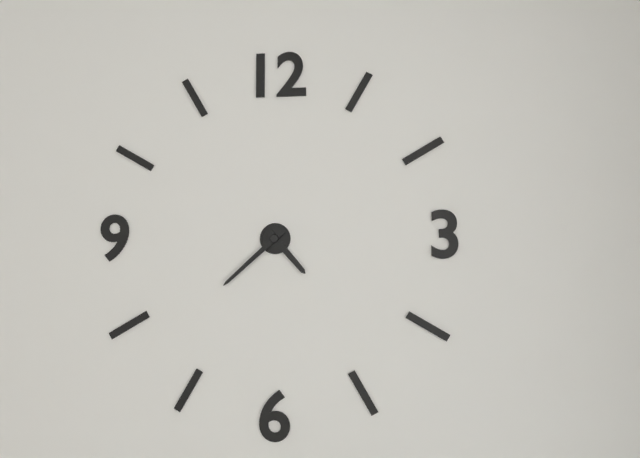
4,38
